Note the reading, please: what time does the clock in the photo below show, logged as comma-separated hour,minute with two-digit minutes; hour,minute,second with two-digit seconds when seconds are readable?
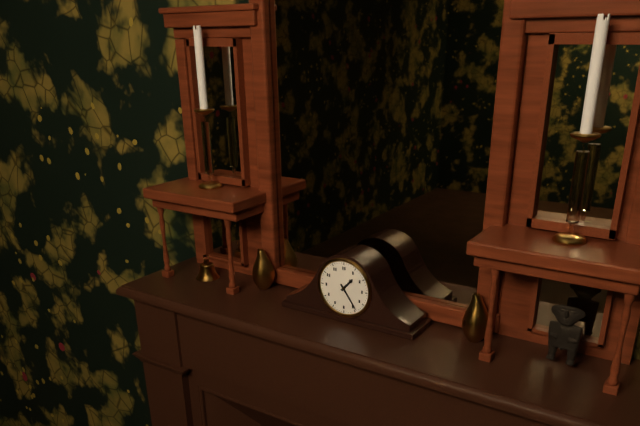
1,24
